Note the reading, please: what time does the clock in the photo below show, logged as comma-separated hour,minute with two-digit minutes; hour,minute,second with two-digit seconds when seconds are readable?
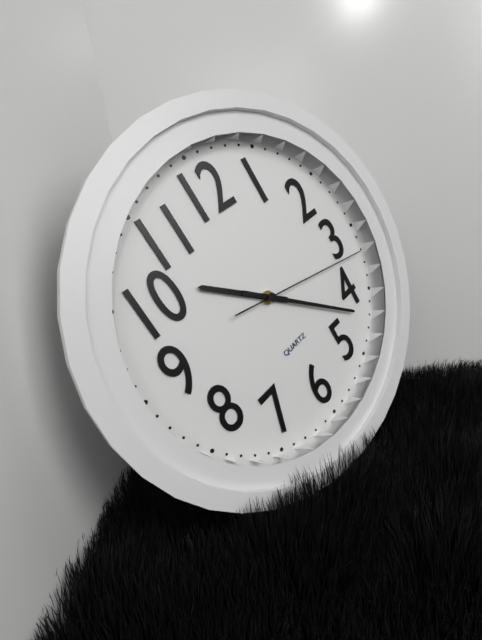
10,22,17
